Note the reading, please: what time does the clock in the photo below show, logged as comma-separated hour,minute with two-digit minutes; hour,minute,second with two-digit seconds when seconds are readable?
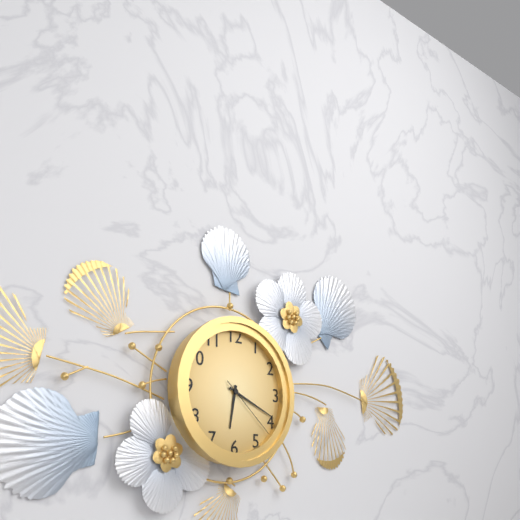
6,19,22
